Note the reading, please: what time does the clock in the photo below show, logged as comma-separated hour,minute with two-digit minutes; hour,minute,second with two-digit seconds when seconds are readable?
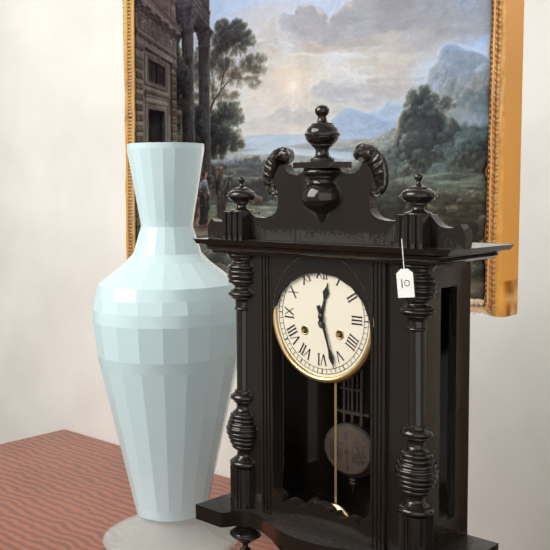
12,27
